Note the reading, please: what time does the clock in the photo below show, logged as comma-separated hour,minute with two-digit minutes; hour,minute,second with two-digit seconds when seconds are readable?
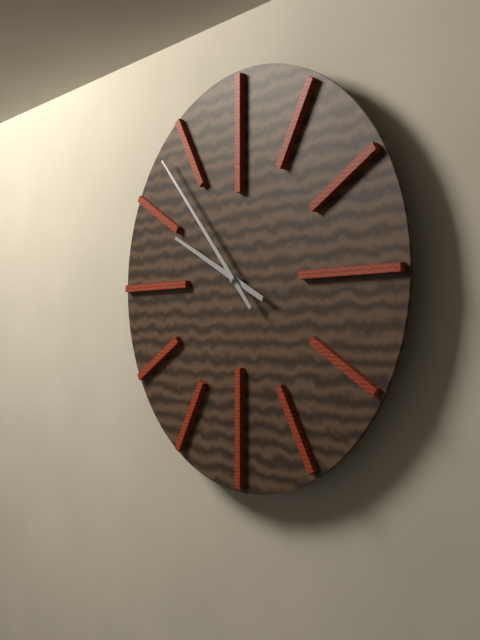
9,53
